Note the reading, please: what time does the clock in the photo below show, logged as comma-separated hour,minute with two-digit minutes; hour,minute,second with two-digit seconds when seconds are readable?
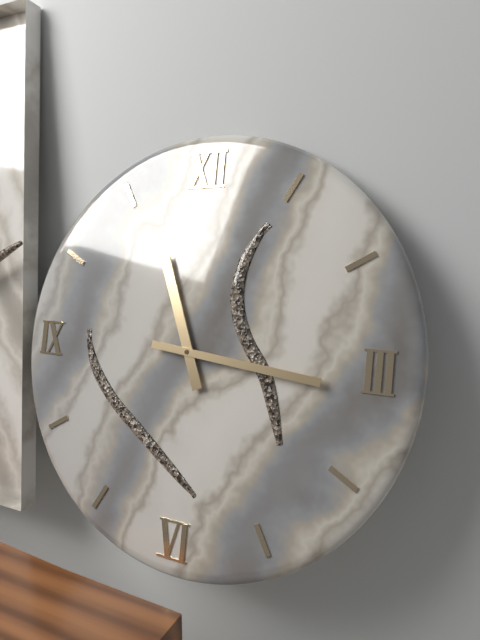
11,16
